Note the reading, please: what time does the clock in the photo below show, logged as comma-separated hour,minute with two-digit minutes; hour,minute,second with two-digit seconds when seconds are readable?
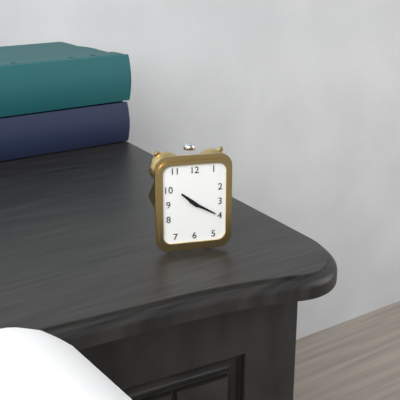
10,20
